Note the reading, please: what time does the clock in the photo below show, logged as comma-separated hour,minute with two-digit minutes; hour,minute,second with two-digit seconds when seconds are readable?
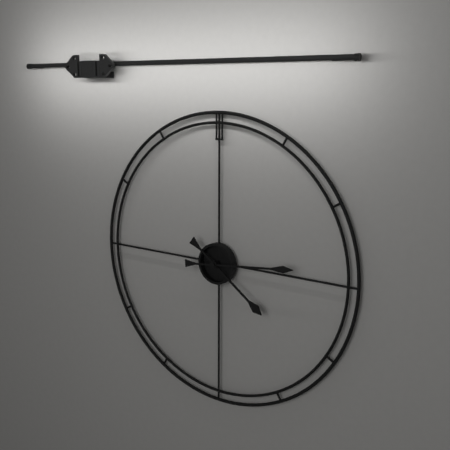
4,14
